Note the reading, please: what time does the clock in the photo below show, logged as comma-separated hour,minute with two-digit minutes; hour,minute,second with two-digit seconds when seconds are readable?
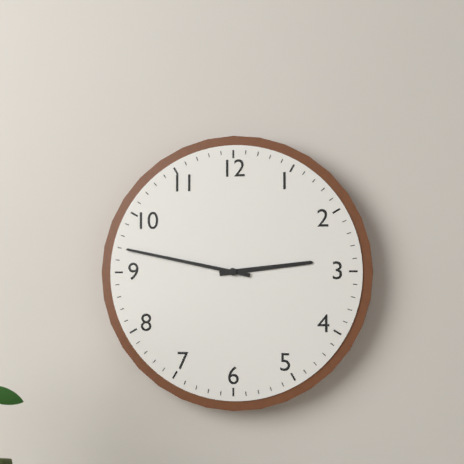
2,47
